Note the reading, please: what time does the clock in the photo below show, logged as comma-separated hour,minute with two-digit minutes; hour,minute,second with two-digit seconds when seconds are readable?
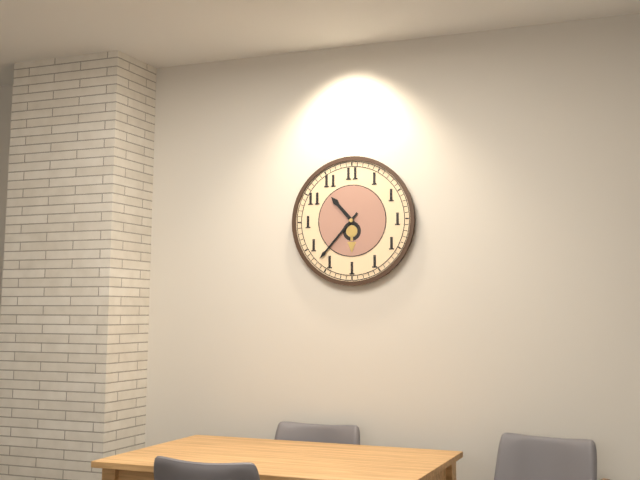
10,37
